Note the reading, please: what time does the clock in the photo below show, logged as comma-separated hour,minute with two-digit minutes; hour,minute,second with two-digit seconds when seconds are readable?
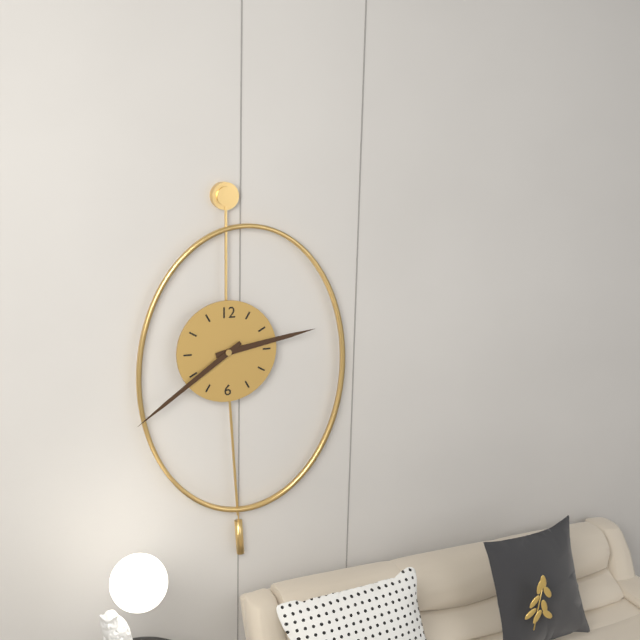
2,39
